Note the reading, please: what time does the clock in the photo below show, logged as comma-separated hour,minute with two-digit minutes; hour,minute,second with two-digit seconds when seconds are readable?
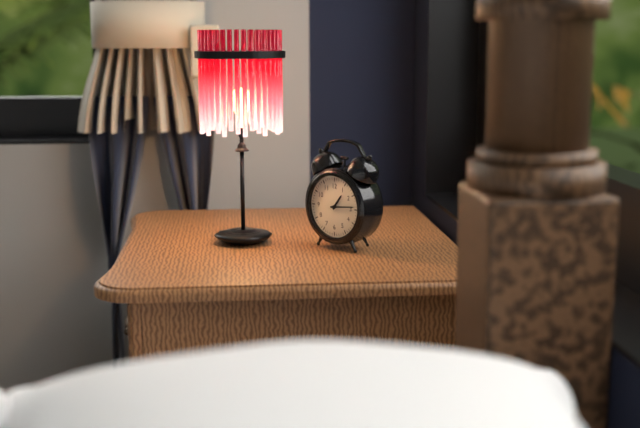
1,14
